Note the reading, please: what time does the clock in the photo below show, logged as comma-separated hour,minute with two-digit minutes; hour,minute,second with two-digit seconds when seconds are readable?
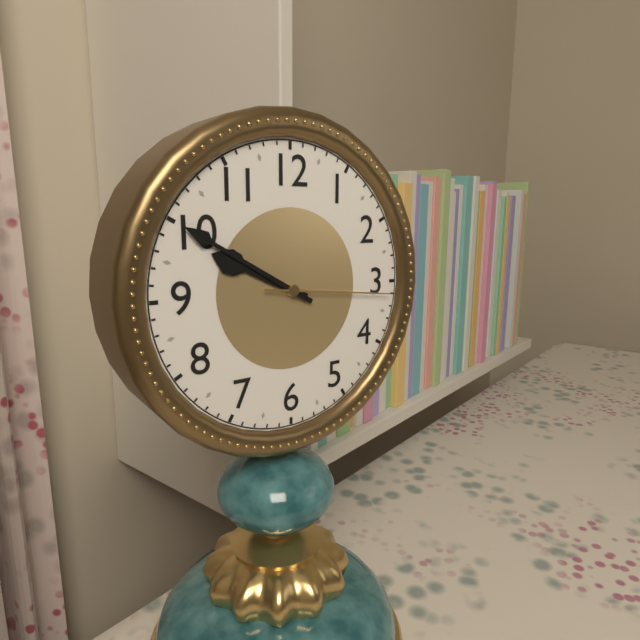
9,50,16
